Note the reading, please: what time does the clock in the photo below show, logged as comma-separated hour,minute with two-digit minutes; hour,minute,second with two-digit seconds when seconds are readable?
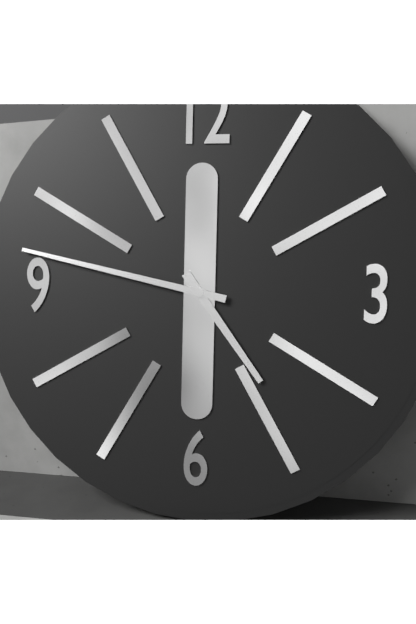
4,47
